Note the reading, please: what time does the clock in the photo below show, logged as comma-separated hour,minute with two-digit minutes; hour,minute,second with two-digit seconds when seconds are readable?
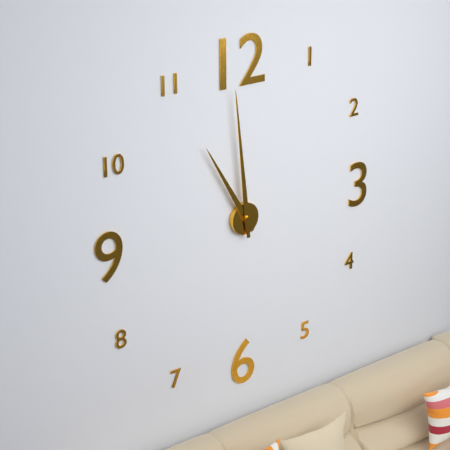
10,59
